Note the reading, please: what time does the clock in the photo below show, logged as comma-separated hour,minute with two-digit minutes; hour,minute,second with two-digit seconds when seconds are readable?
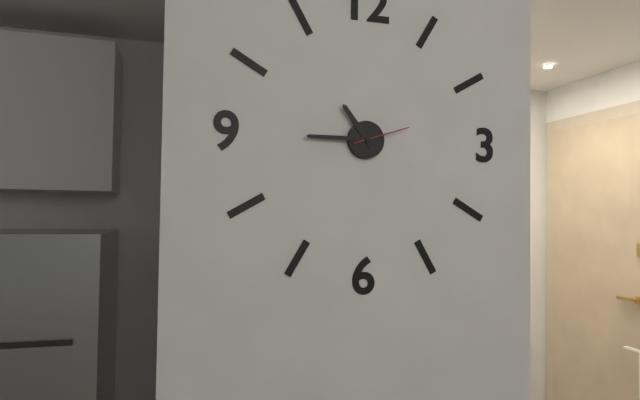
10,45,12
